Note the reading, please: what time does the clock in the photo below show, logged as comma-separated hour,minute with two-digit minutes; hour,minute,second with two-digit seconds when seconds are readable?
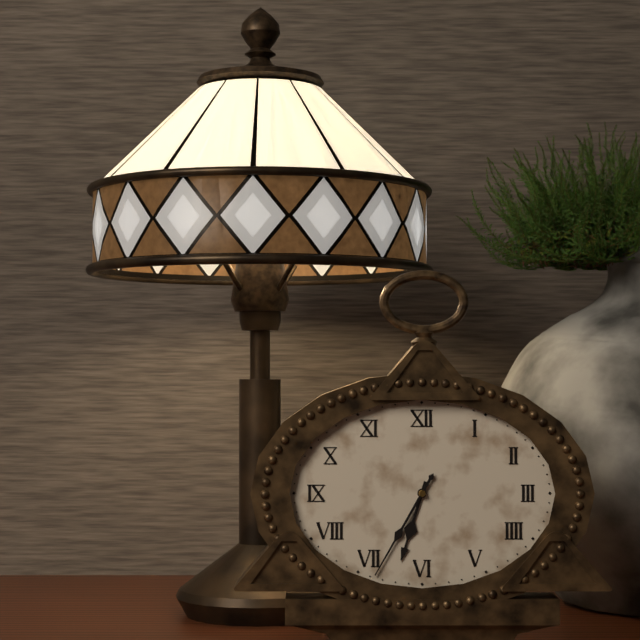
6,35
